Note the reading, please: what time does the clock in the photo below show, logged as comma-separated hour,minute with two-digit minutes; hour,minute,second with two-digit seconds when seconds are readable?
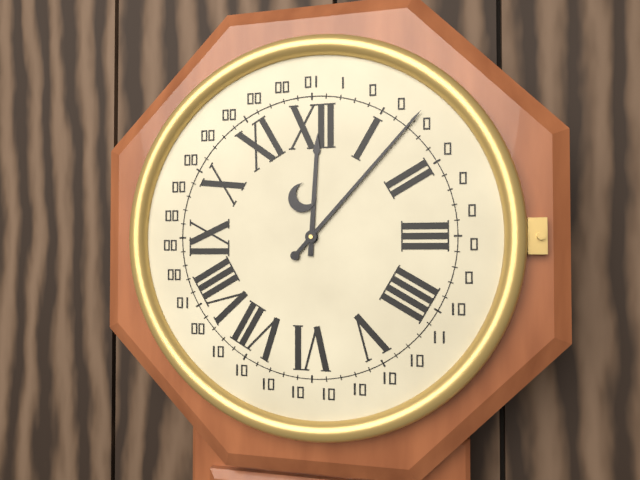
12,07
